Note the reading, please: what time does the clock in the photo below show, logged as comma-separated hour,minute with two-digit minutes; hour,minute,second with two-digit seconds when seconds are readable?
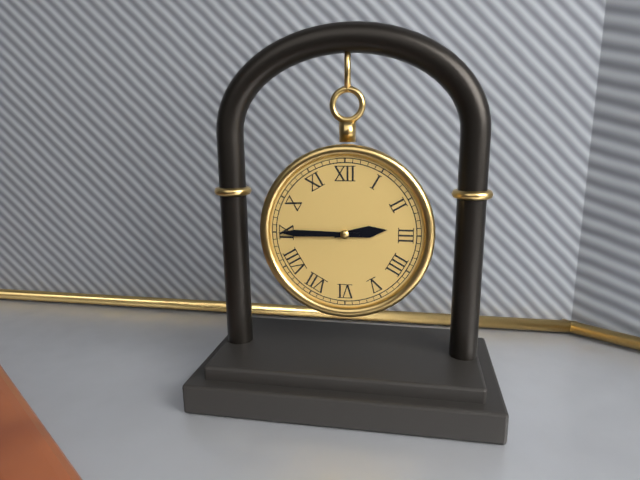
2,45
